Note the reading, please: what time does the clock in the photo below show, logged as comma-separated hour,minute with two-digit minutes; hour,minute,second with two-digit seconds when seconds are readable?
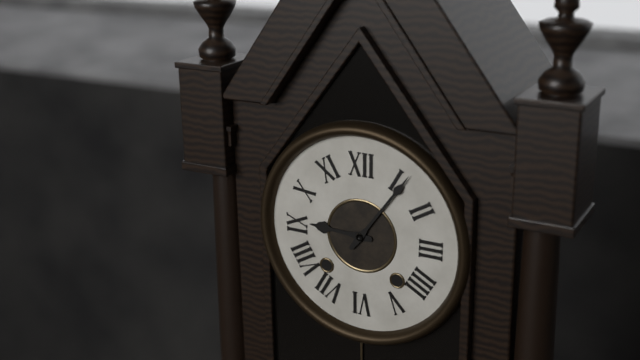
9,06
